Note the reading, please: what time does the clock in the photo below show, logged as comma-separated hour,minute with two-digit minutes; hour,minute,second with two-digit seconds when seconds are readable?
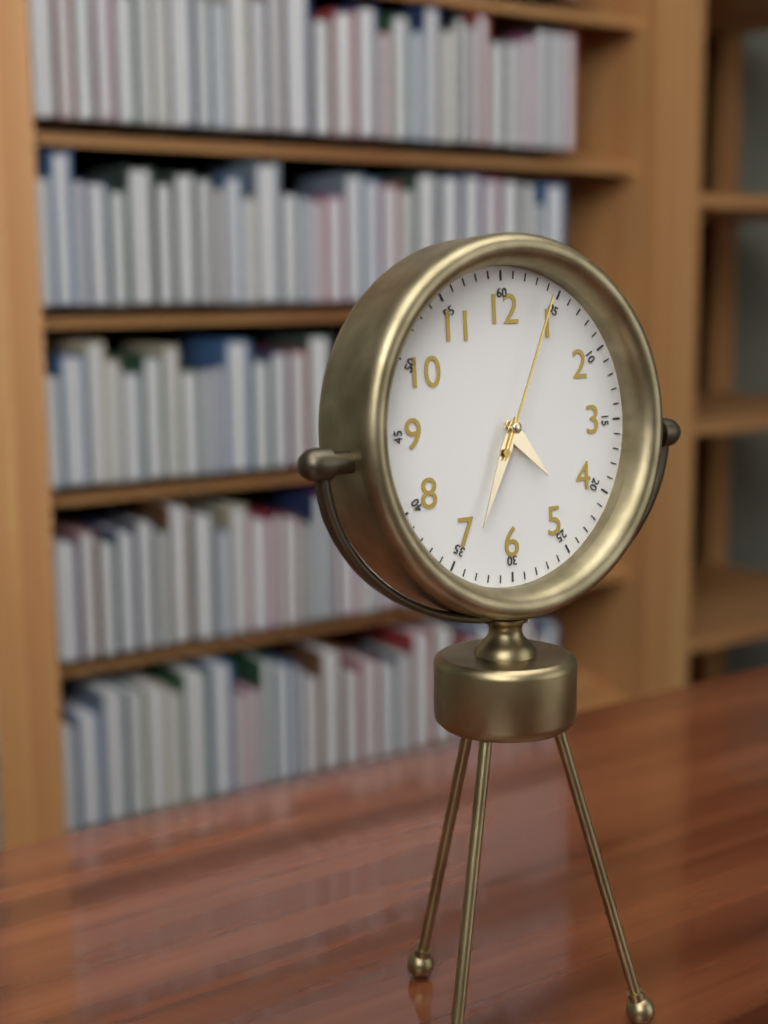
4,34,04
